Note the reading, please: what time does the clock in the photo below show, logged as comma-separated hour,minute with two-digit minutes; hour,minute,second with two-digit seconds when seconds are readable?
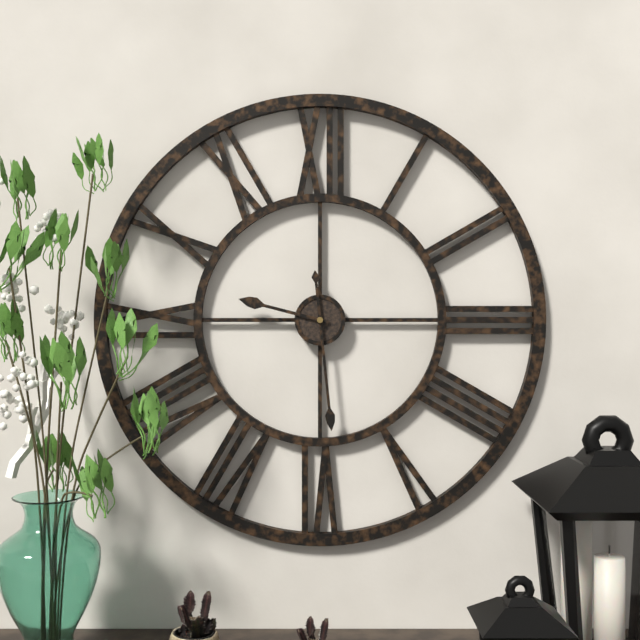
9,29
